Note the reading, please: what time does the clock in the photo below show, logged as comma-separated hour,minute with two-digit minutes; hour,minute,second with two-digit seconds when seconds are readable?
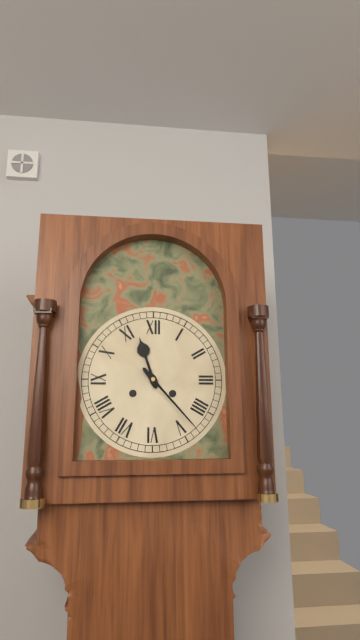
11,23
